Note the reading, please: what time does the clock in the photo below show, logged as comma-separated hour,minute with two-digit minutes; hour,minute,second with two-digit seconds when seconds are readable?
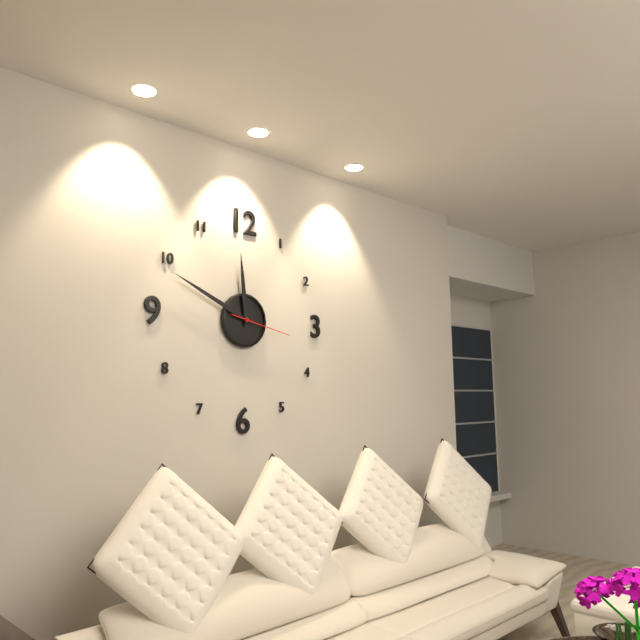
11,49,17
